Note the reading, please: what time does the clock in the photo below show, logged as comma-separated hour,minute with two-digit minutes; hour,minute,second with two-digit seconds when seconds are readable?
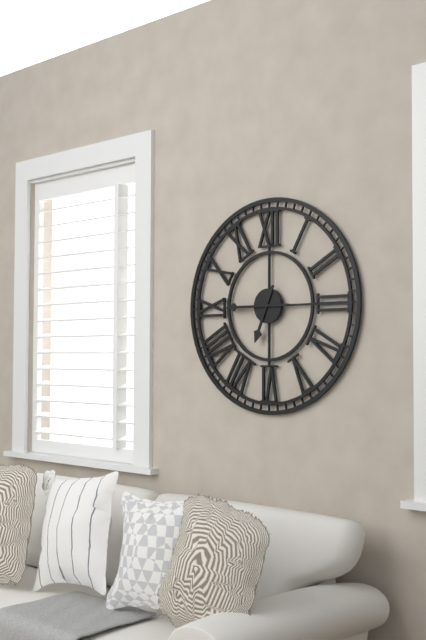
6,45
